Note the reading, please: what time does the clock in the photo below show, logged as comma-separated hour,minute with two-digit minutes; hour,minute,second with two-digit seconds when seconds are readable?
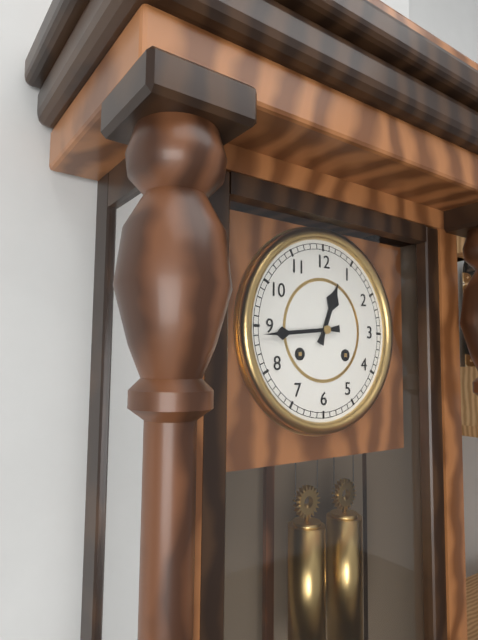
12,44
